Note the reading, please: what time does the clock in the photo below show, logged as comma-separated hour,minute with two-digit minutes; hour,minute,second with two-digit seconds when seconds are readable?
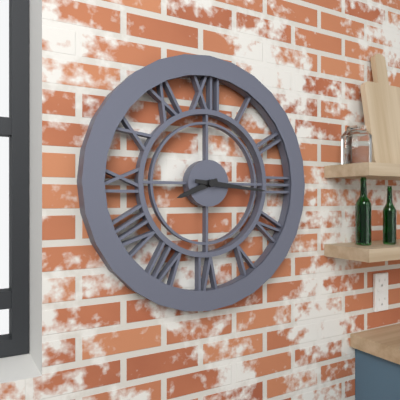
8,16
